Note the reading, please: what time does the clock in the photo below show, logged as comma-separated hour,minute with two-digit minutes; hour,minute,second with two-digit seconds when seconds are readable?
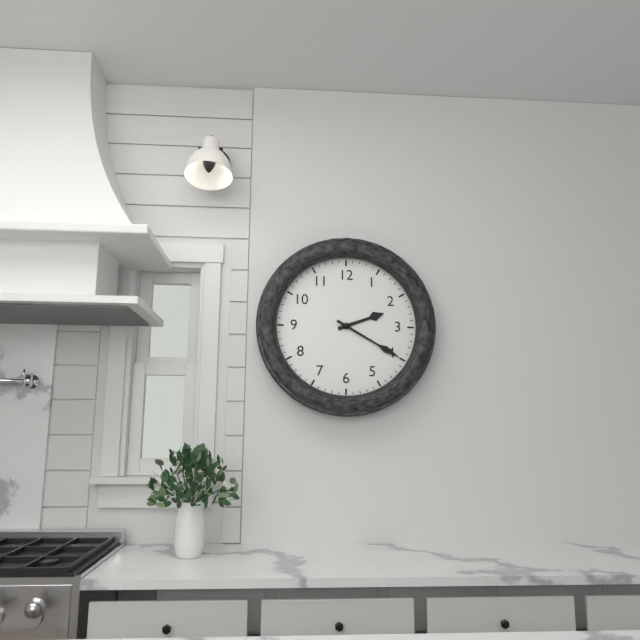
2,20
